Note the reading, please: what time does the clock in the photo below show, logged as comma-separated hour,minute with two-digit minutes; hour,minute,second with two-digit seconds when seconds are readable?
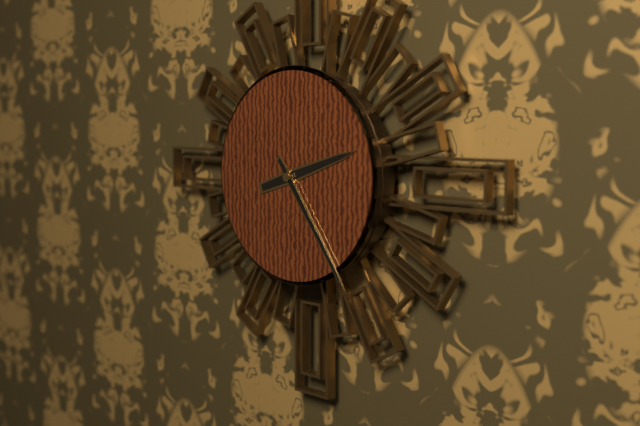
2,24
